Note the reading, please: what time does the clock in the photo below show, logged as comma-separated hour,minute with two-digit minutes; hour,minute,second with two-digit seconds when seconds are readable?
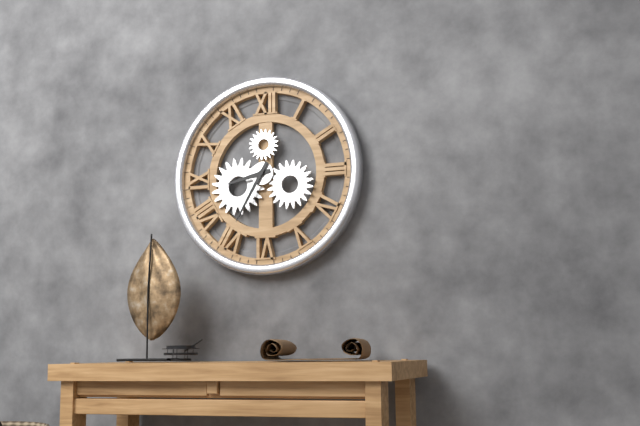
8,35
